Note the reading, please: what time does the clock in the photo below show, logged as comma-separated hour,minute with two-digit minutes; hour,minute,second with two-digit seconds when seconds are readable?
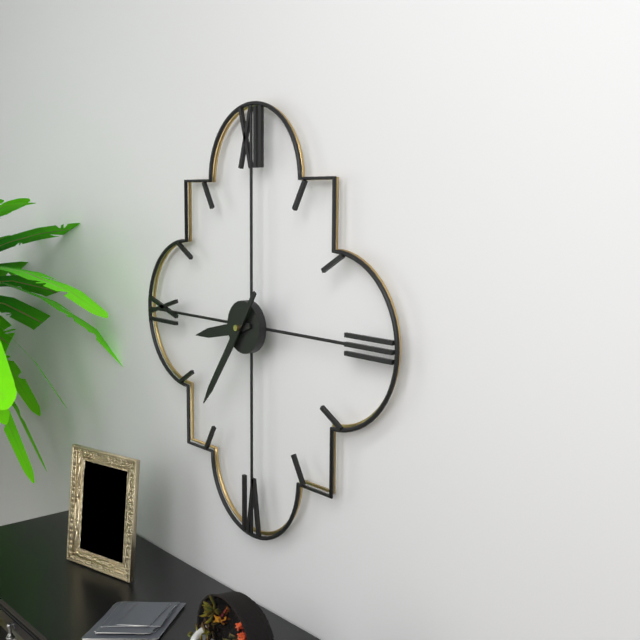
8,36
